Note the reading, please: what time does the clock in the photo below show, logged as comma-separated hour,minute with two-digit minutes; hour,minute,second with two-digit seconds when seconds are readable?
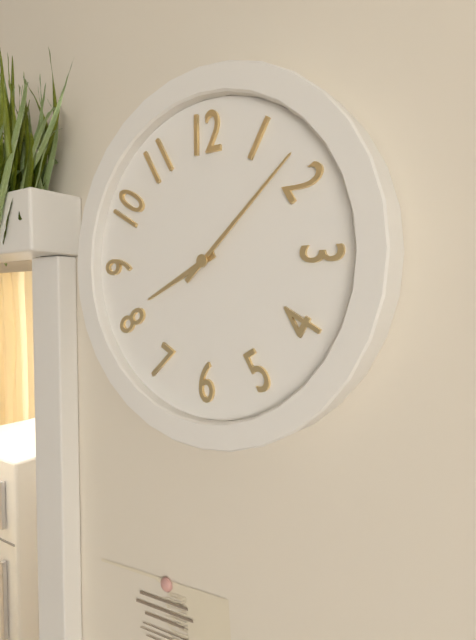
8,08
